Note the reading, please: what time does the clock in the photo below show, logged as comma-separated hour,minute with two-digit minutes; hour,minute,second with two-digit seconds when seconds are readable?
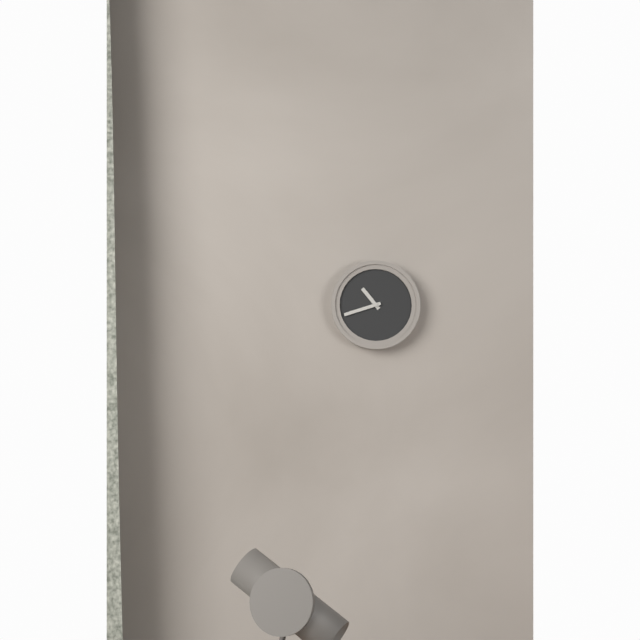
10,42
